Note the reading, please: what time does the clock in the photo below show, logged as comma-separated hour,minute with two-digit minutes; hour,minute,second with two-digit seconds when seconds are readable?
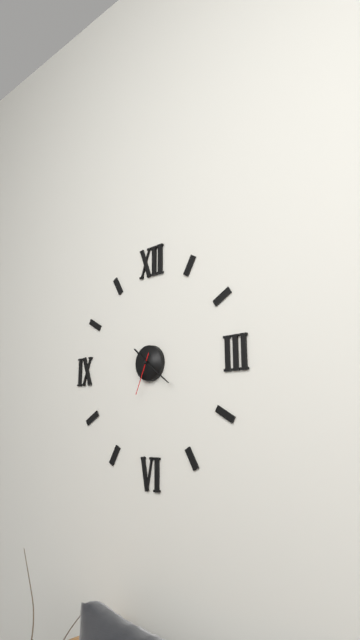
10,21
